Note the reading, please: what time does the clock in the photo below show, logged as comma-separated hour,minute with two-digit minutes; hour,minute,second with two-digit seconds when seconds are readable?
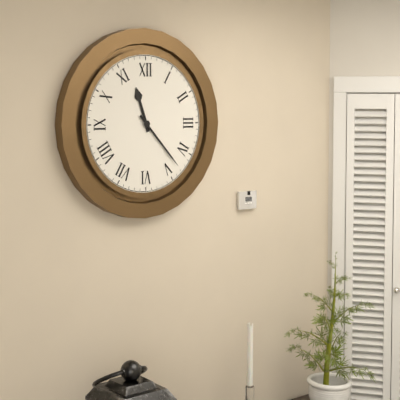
11,23
